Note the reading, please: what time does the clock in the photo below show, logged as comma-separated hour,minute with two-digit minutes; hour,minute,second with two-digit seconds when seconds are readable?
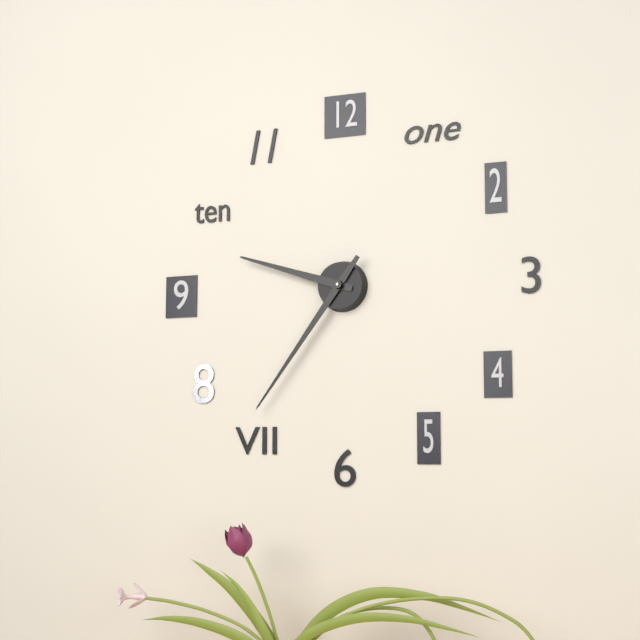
9,36
